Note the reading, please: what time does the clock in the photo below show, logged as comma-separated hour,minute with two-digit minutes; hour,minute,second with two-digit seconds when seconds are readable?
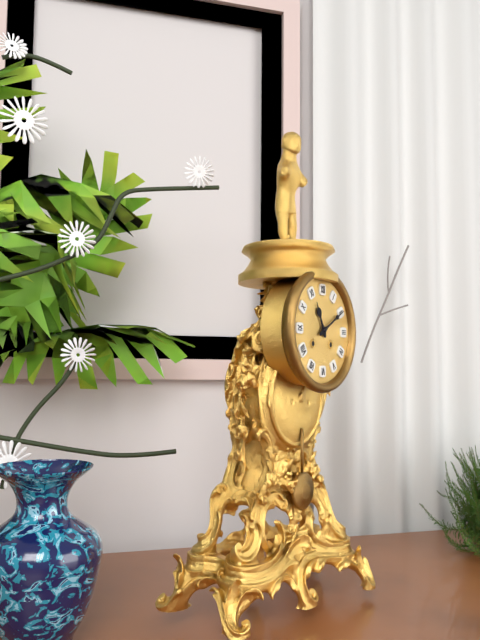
11,10
